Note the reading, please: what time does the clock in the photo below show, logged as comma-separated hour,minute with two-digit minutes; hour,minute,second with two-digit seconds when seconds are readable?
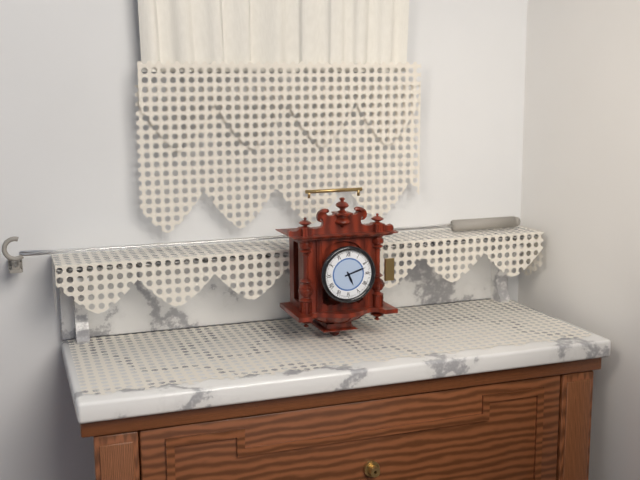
5,12
